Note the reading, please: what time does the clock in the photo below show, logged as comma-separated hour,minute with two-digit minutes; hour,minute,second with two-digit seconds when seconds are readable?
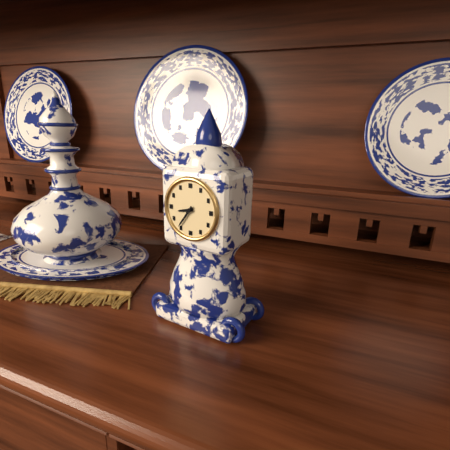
8,36
